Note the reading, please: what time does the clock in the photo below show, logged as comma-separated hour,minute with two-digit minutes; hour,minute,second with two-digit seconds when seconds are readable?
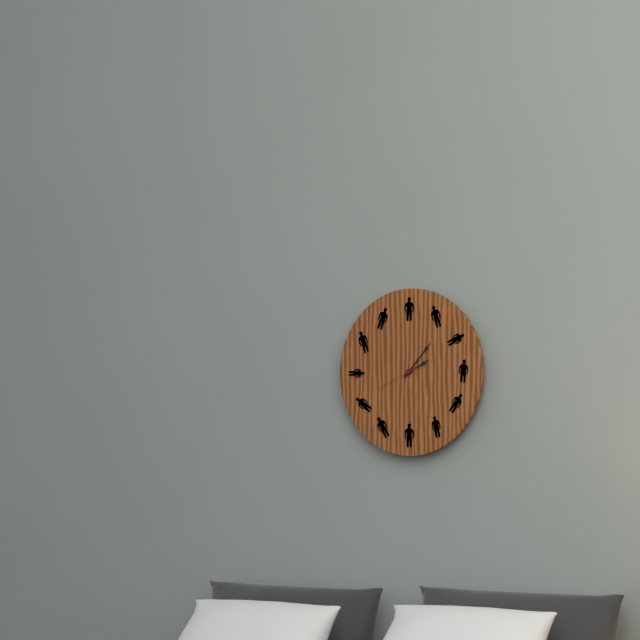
2,07
